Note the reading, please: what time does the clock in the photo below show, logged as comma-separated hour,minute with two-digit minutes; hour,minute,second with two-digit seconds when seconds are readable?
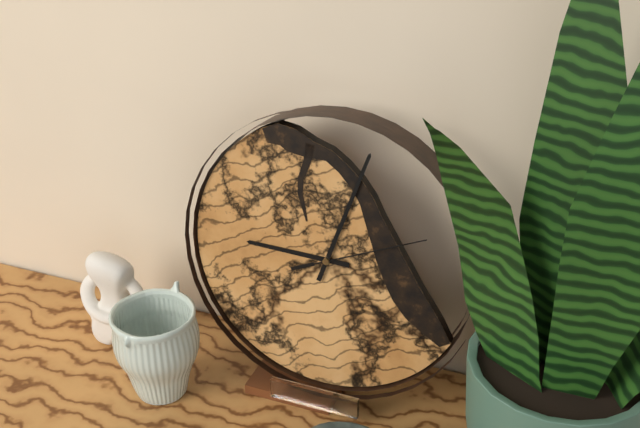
9,03,11
